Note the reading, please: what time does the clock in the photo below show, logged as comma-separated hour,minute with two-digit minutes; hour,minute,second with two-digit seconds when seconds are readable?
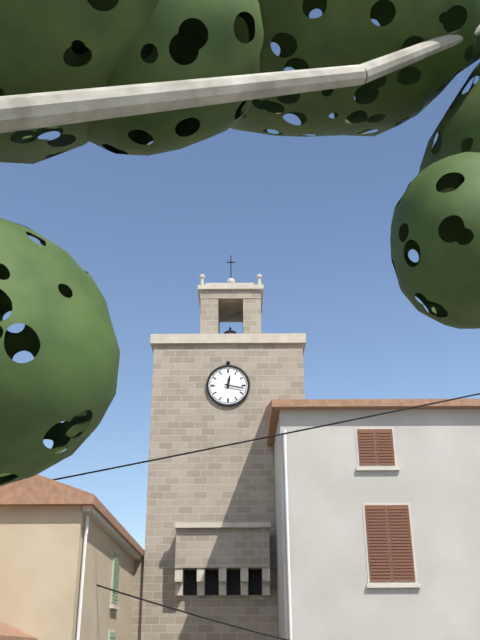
12,17
